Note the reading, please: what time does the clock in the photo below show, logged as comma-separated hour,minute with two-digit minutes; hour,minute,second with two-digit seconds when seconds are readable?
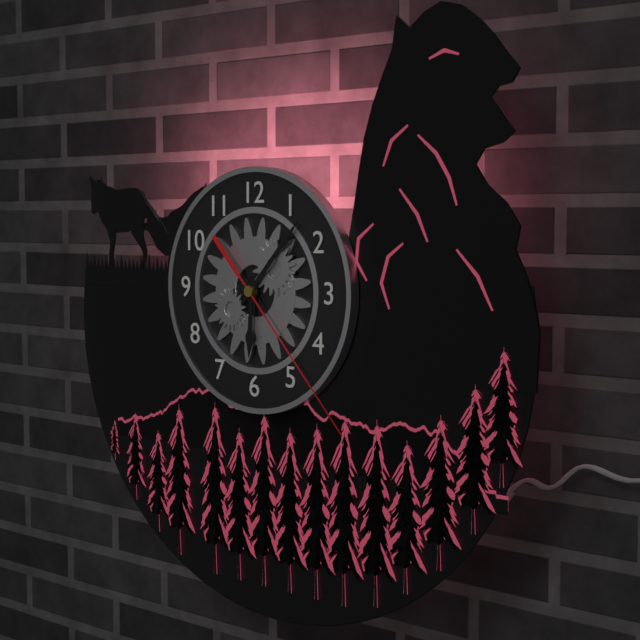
6,07,23
